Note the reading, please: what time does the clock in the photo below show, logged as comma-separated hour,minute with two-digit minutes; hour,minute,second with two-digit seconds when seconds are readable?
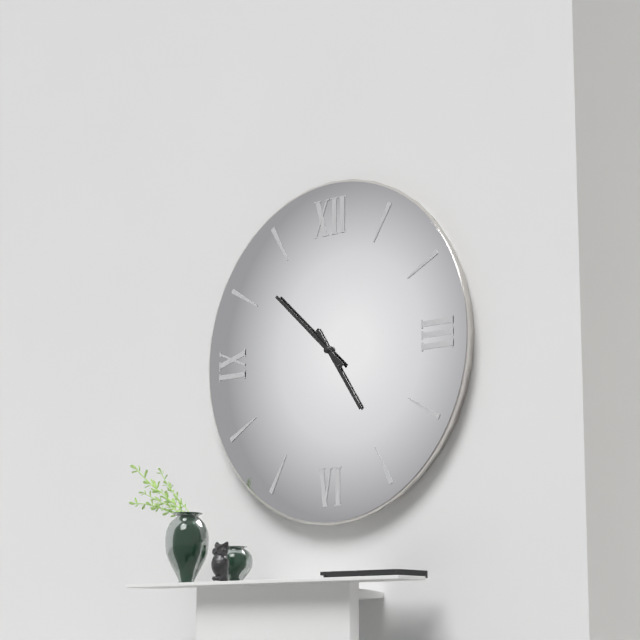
4,52
